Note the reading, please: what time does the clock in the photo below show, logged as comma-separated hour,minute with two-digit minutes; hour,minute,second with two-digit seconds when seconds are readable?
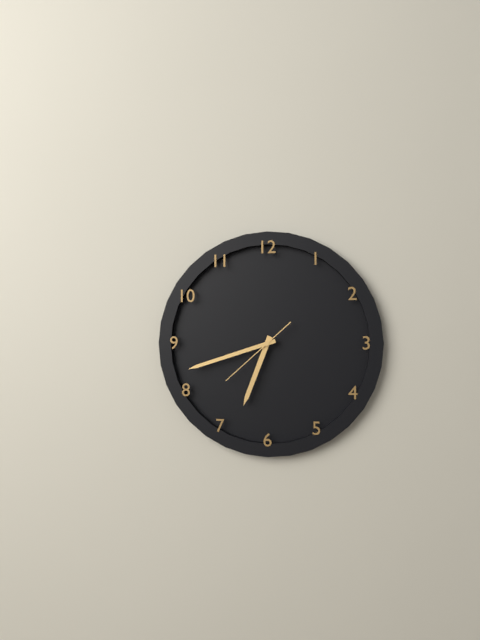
6,42,38
